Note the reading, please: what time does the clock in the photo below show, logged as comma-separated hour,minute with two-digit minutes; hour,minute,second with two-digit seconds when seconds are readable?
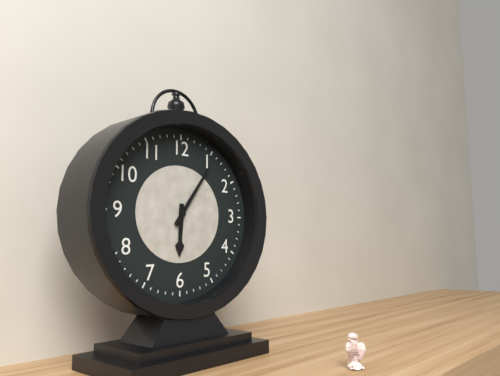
6,06
